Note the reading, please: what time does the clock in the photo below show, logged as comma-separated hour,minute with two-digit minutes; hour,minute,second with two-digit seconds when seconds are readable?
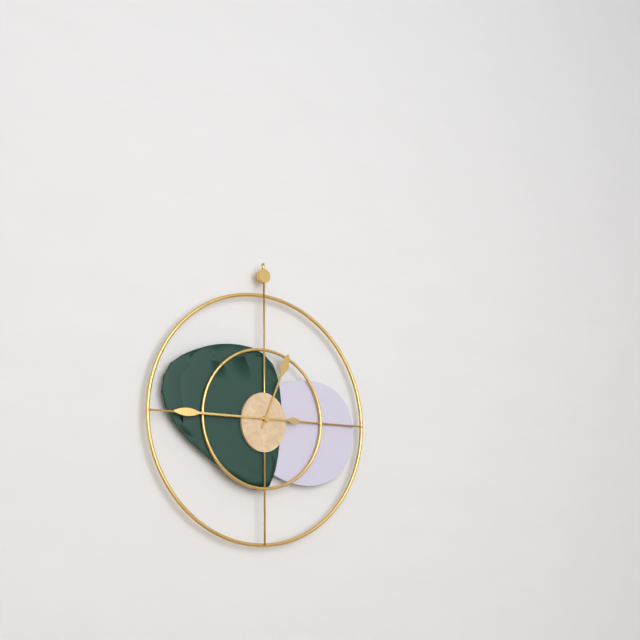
12,45
